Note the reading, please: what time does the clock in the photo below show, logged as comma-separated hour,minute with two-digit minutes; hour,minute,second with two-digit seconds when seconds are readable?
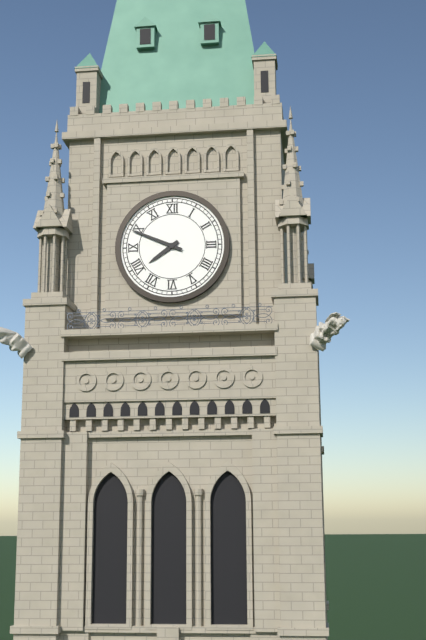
7,49
